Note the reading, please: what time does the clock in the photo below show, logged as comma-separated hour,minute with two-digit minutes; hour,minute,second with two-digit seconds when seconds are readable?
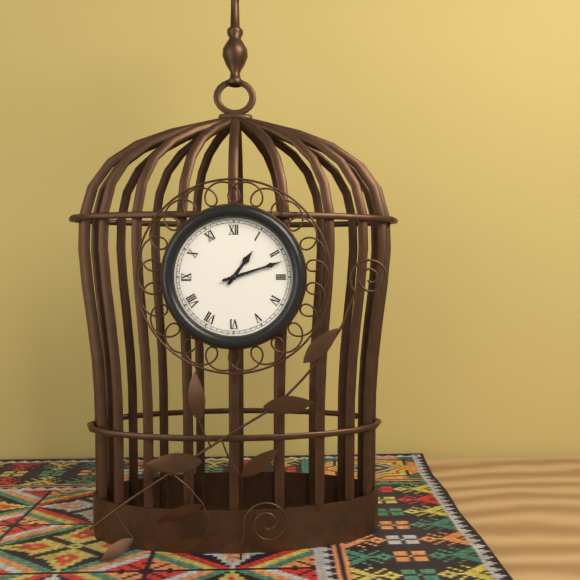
1,12
